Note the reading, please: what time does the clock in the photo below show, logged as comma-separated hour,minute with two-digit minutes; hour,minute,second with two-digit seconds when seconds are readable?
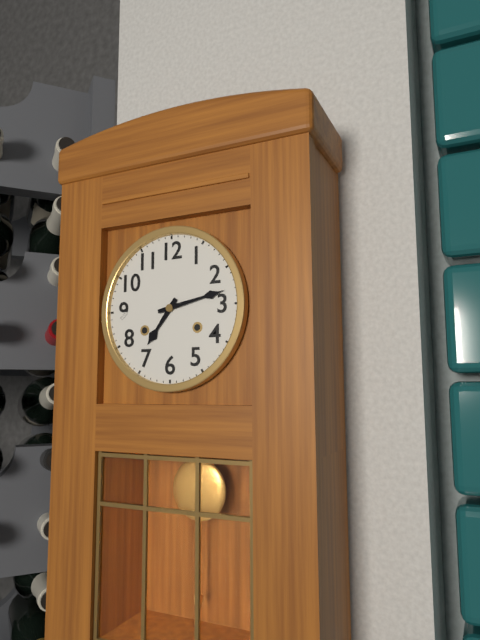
7,13
